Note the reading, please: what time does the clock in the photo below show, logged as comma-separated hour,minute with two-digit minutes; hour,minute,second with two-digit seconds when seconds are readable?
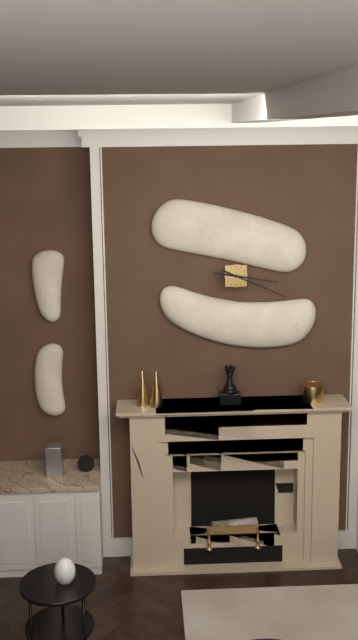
3,19
